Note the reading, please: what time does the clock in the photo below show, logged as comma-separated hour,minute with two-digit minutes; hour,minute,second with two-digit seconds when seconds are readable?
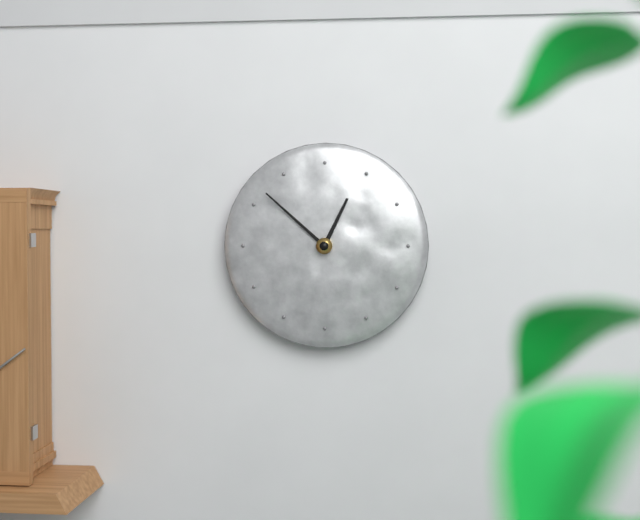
12,52
